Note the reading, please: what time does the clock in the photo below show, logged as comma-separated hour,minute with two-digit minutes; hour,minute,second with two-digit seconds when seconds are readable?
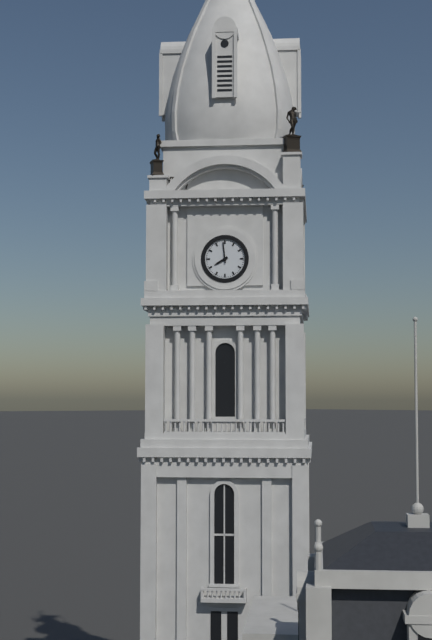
7,59
